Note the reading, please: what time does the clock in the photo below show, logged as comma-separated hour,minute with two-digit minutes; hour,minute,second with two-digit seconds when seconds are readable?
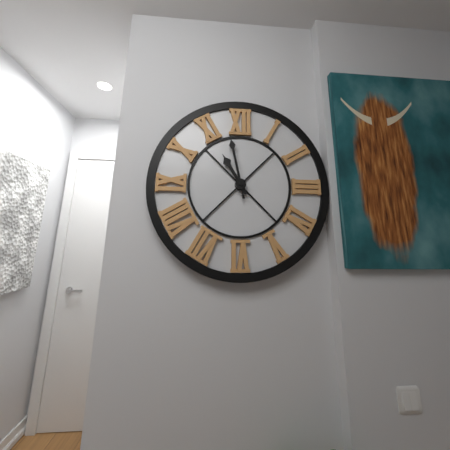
10,58
